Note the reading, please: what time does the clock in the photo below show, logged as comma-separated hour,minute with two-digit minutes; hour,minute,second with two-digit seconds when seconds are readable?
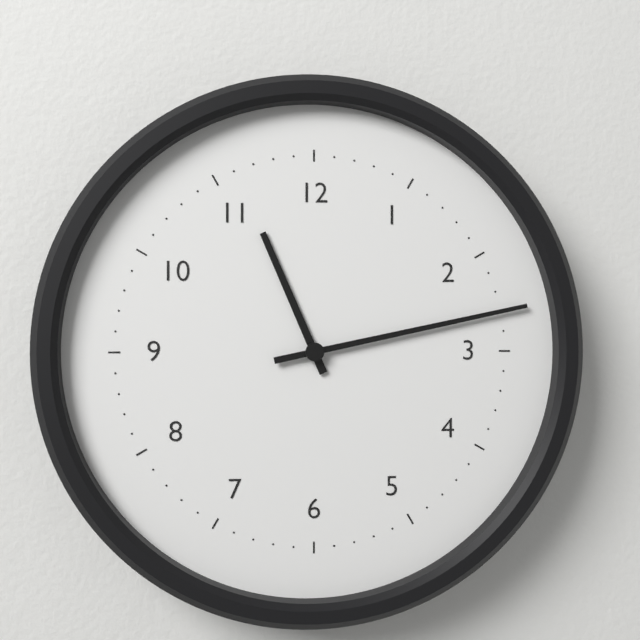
11,13
